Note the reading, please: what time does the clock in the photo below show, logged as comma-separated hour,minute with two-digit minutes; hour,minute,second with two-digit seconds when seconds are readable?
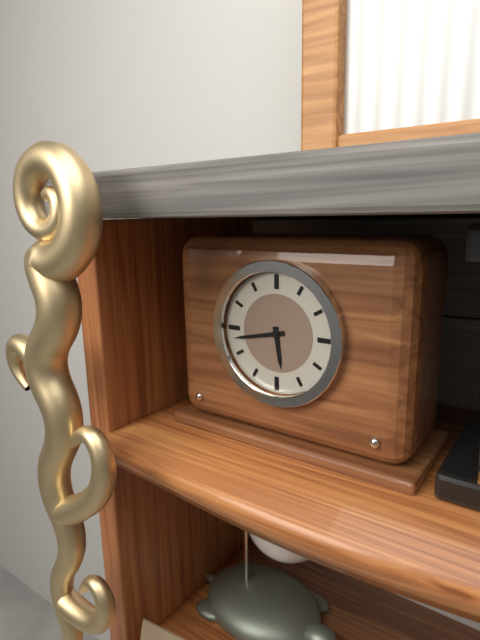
5,43
